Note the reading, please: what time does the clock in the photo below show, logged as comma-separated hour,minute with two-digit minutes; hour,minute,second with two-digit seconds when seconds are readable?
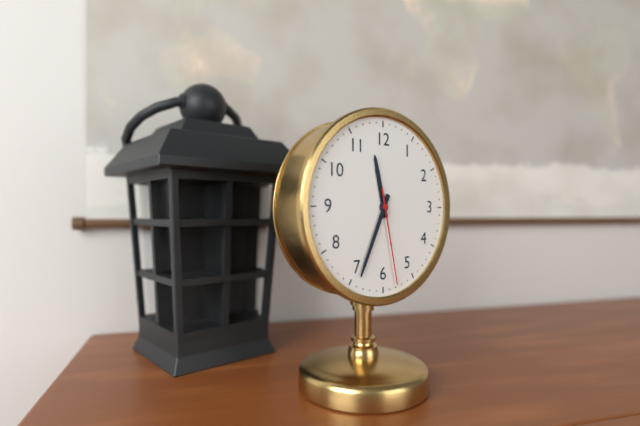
11,34,28
